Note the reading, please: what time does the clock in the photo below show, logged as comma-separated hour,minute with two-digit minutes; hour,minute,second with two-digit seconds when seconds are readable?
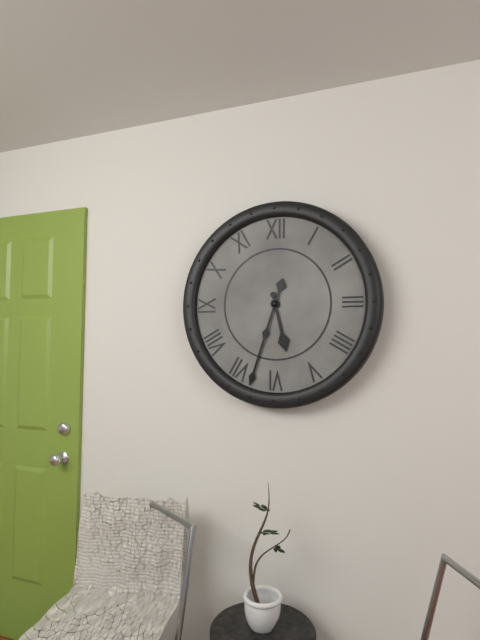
5,33
